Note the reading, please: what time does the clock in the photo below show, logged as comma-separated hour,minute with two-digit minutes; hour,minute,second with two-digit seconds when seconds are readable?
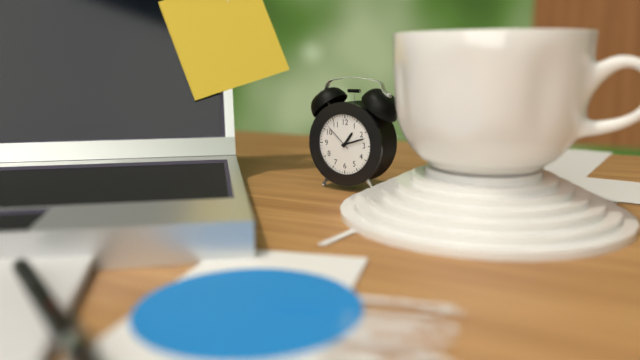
1,12
